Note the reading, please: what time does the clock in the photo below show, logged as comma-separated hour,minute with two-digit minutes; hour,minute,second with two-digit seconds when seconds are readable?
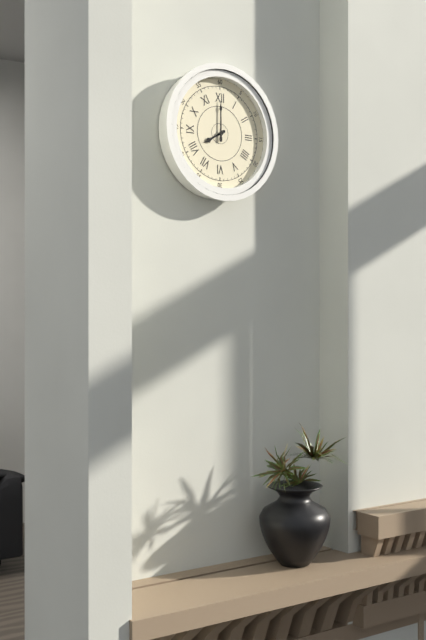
8,00
